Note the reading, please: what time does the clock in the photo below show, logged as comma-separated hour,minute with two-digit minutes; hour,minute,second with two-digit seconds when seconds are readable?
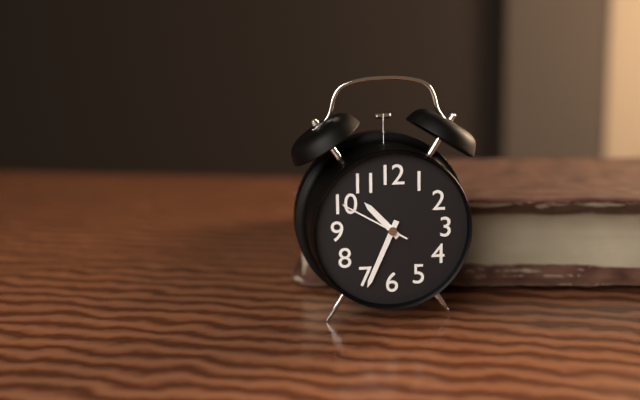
10,34,50
